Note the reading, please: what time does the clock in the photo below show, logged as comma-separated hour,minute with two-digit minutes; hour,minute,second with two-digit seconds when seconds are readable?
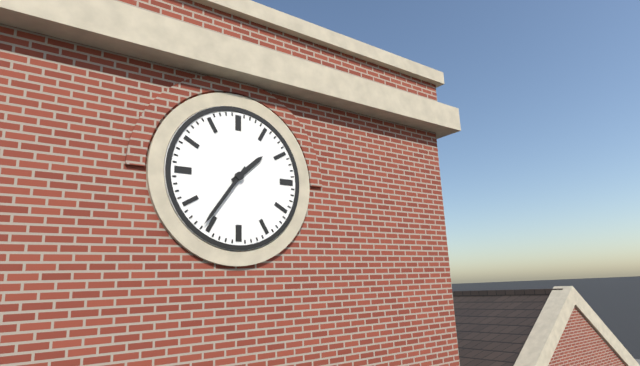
1,36
